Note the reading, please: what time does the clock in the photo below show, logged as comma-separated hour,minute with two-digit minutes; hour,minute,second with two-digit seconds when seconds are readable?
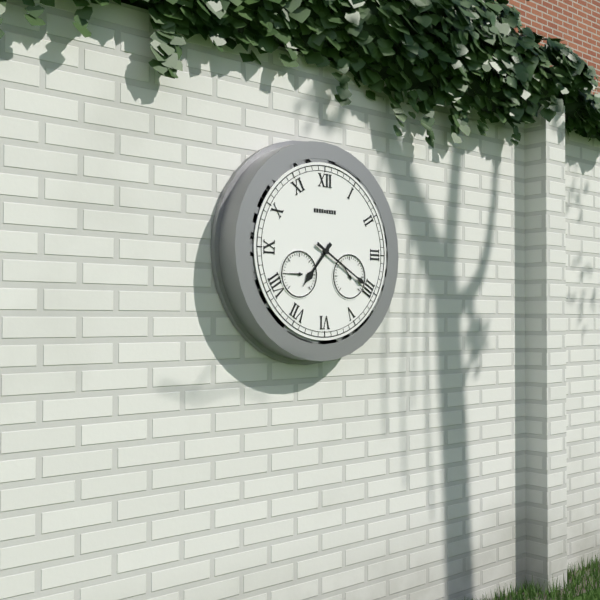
7,20
